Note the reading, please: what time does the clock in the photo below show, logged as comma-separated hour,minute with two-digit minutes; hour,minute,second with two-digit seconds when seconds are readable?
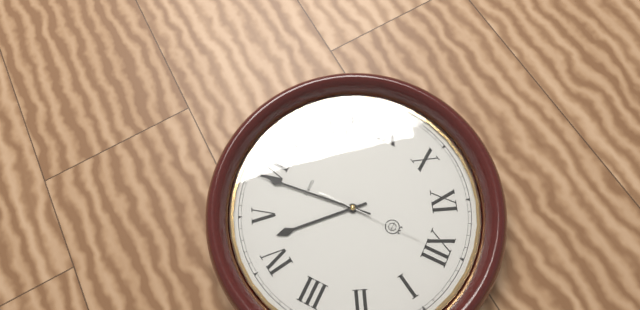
4,29,00
